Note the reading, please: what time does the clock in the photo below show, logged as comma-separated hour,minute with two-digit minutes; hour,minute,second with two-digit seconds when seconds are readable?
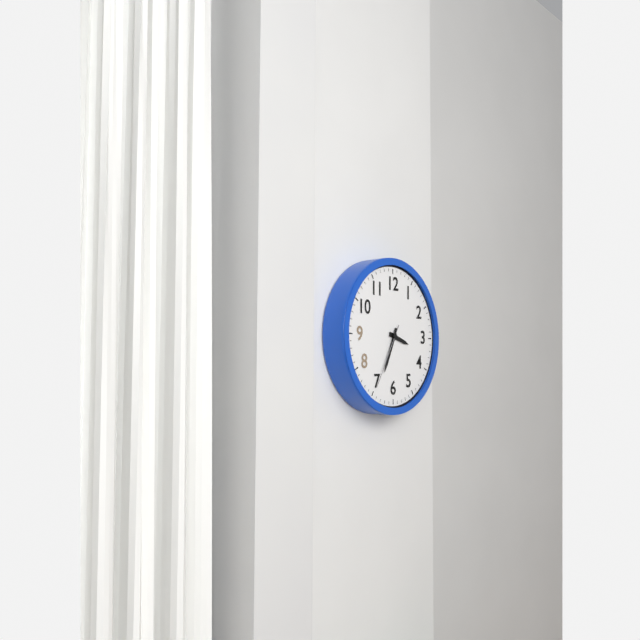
3,34,35
